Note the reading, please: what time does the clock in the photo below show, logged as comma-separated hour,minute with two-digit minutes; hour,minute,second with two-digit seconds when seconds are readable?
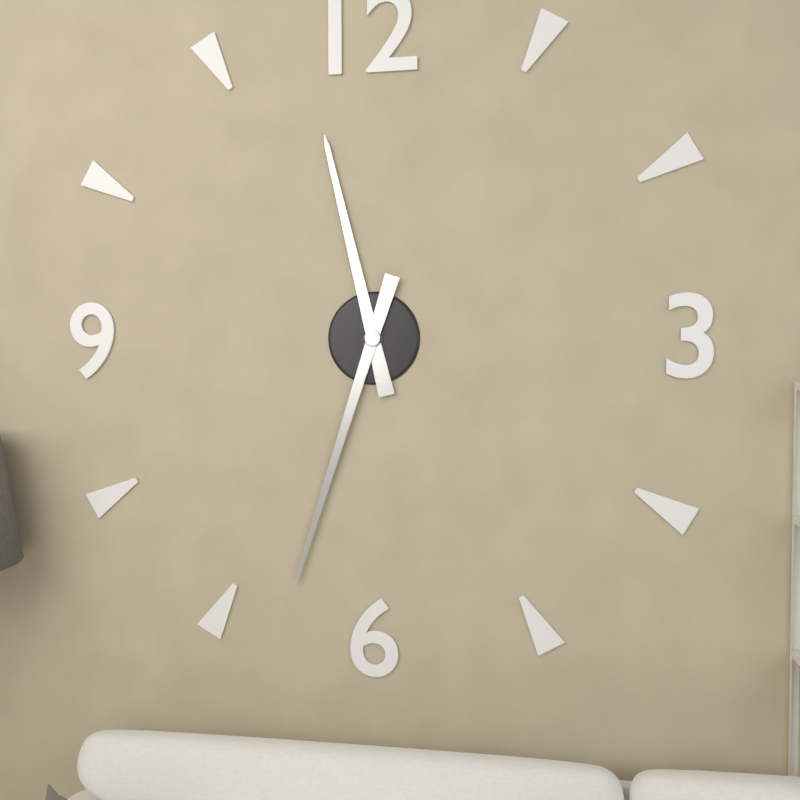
11,33
